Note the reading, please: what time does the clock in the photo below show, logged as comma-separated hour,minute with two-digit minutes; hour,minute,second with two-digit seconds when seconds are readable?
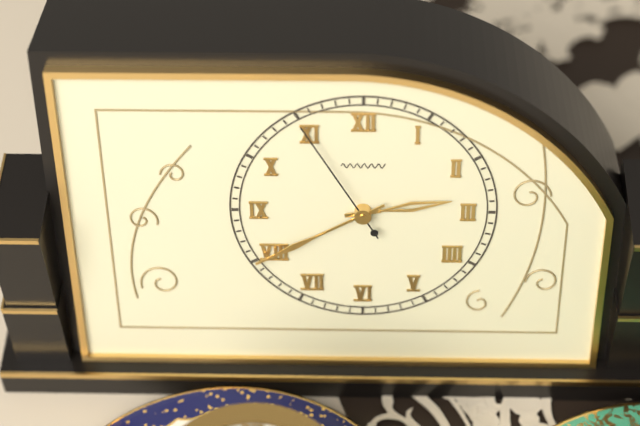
2,40,55
